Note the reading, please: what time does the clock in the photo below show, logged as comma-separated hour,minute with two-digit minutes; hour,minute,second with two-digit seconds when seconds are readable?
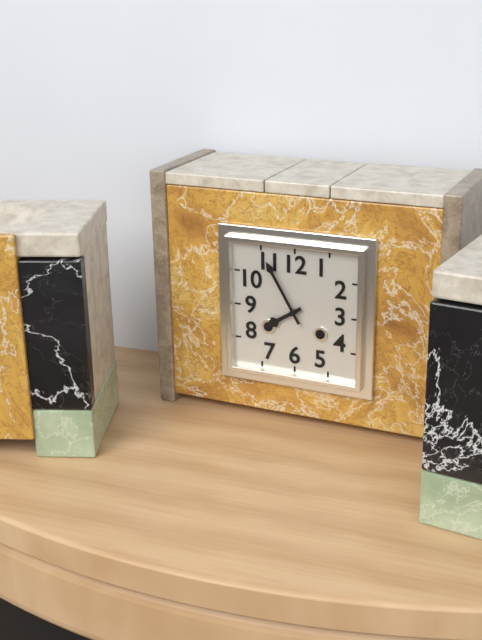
7,55
